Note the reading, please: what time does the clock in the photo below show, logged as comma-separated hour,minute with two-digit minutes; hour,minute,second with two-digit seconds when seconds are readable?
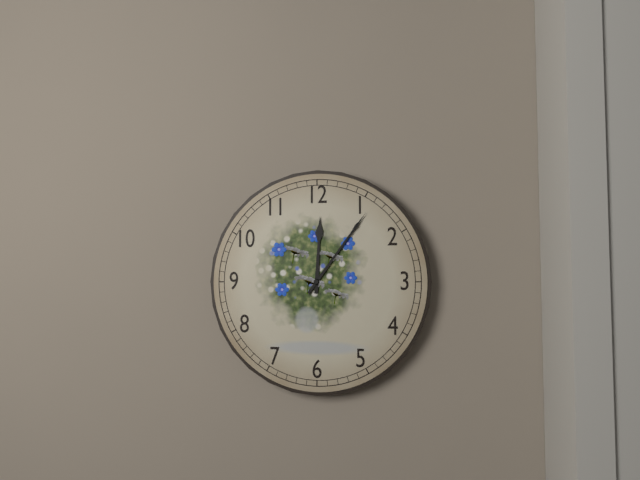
12,06
